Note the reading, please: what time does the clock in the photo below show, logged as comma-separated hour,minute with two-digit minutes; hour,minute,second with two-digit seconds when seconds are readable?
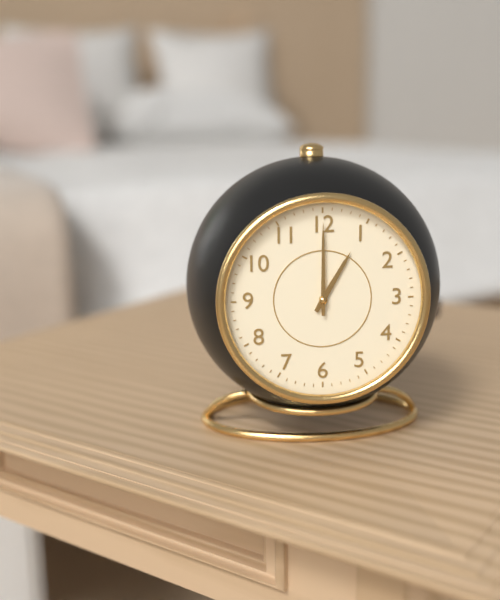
1,00
